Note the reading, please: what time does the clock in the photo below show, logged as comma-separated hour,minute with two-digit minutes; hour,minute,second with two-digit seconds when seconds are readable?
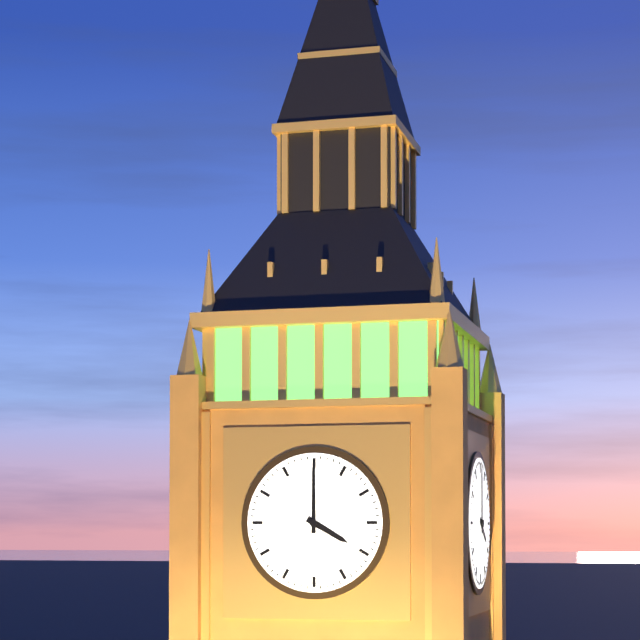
4,00
